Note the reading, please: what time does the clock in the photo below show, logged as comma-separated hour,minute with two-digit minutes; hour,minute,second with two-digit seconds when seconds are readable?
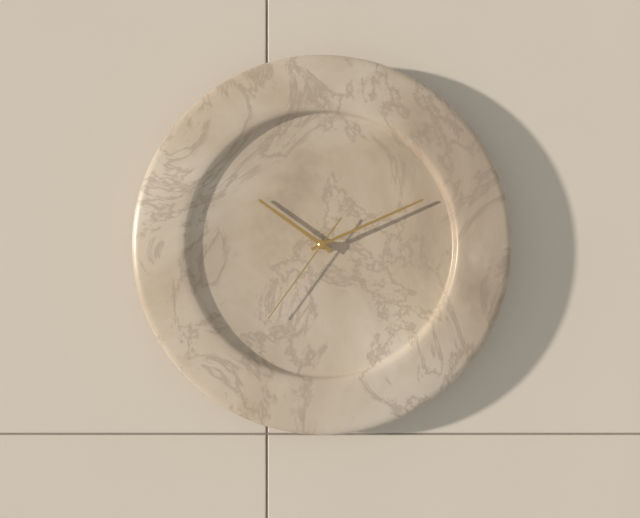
10,11,36
